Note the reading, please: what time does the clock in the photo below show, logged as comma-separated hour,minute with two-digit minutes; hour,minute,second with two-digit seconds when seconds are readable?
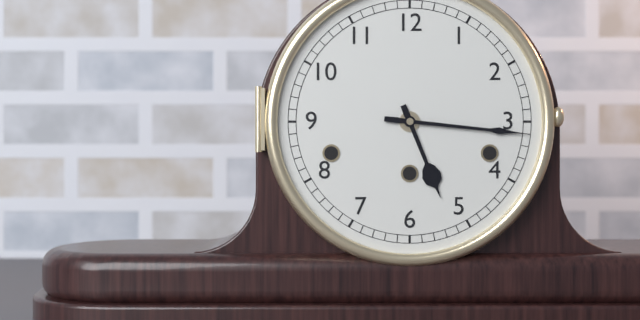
5,16
